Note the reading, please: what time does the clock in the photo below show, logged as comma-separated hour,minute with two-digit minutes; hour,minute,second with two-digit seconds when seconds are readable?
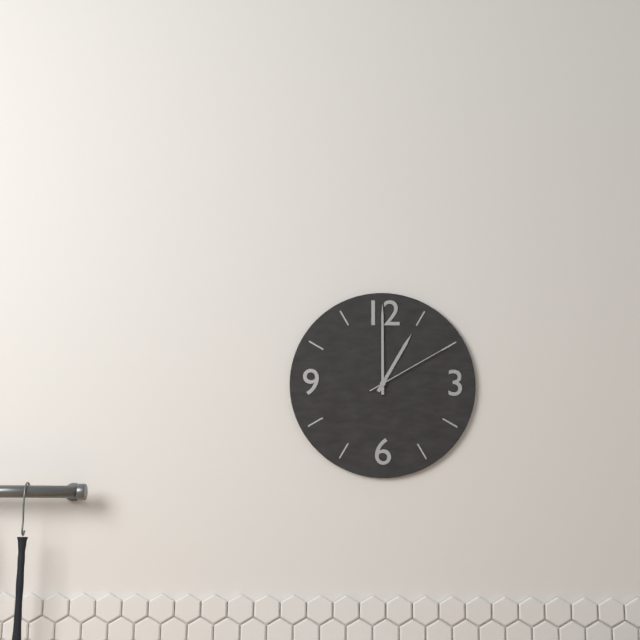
1,00,10
